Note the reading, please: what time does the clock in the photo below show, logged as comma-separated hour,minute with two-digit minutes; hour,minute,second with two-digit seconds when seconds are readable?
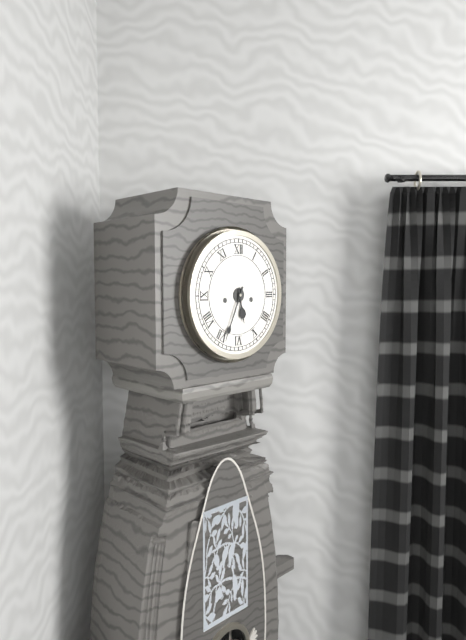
5,34
